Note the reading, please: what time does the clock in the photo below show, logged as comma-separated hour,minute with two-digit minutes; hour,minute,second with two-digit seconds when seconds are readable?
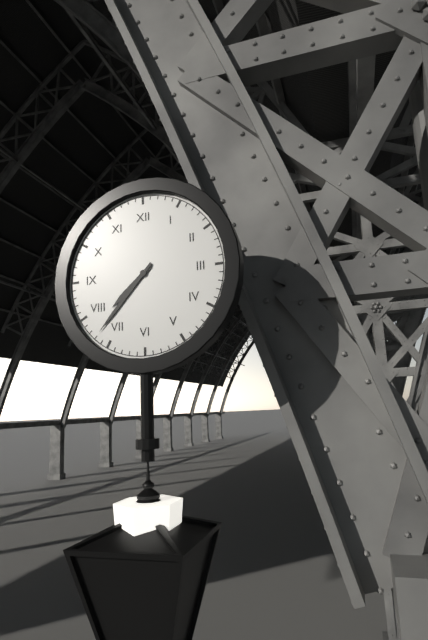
7,37
